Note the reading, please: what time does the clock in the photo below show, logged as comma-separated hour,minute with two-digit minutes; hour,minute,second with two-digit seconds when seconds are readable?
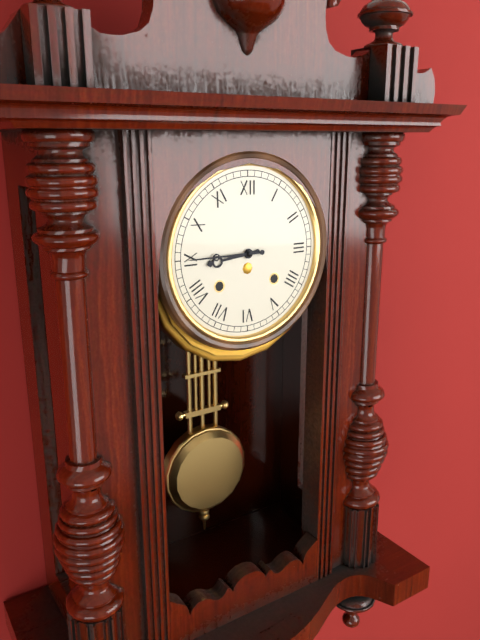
8,45
